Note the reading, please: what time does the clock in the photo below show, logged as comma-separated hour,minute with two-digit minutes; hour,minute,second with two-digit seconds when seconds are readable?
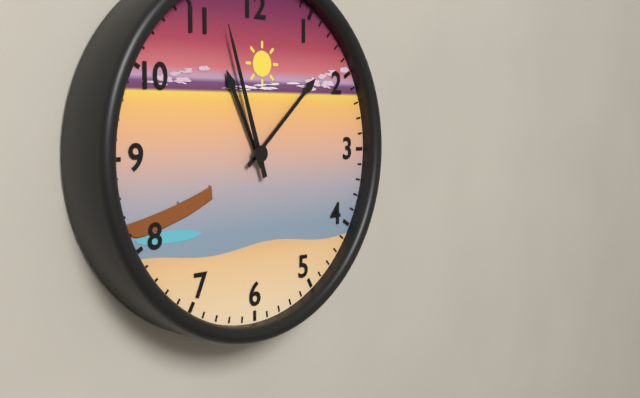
11,08,57
